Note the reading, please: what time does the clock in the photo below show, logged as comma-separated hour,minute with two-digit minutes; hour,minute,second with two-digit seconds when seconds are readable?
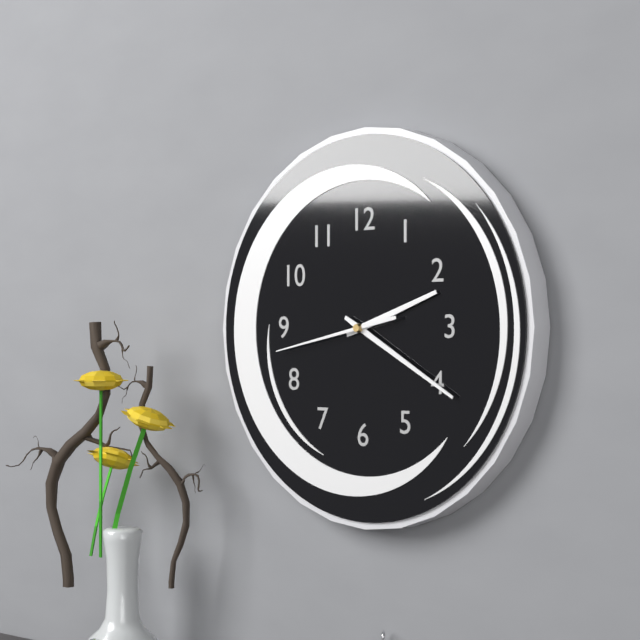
2,20,43
